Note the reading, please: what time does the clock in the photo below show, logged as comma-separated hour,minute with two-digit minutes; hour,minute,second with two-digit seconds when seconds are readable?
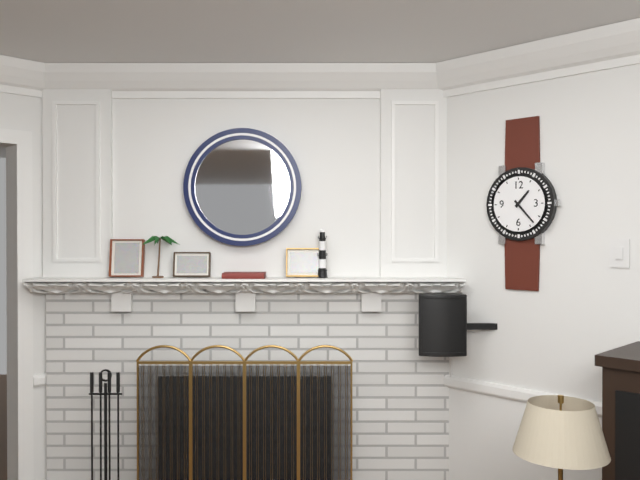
1,23
